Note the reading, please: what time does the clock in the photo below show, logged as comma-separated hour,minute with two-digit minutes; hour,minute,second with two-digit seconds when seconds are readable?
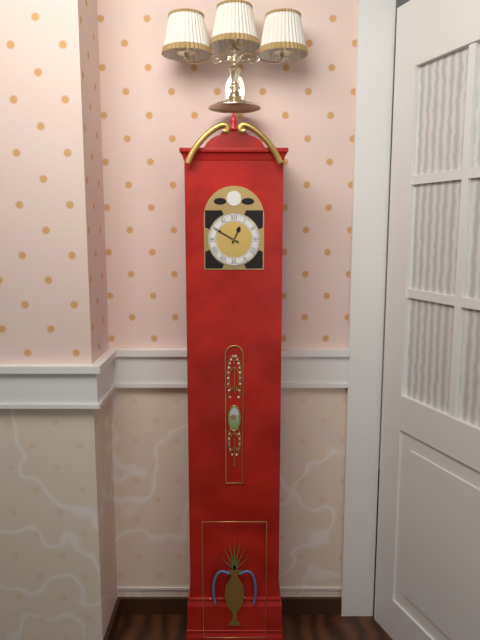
12,50
